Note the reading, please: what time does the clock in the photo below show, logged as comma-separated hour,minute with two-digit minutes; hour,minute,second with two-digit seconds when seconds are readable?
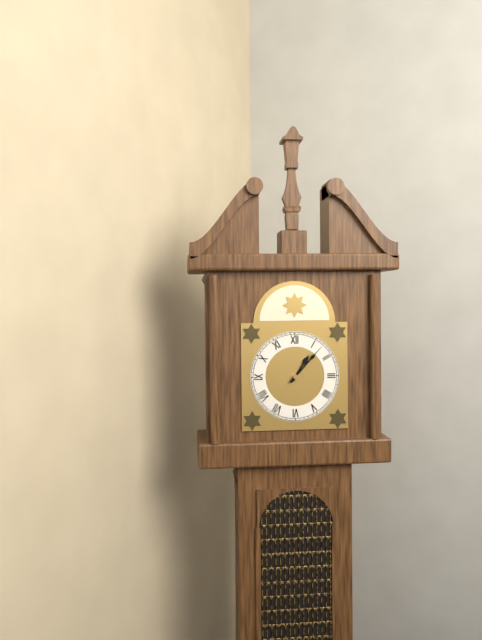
1,07
